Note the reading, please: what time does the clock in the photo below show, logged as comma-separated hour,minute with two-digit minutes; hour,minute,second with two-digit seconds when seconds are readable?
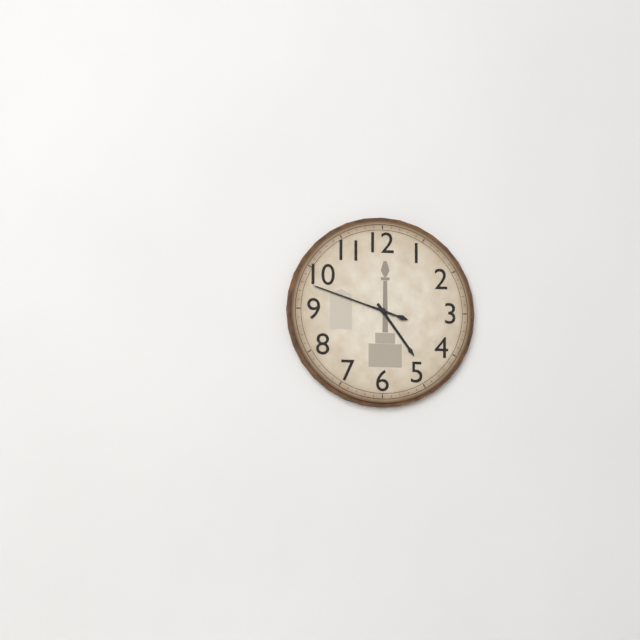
4,48
